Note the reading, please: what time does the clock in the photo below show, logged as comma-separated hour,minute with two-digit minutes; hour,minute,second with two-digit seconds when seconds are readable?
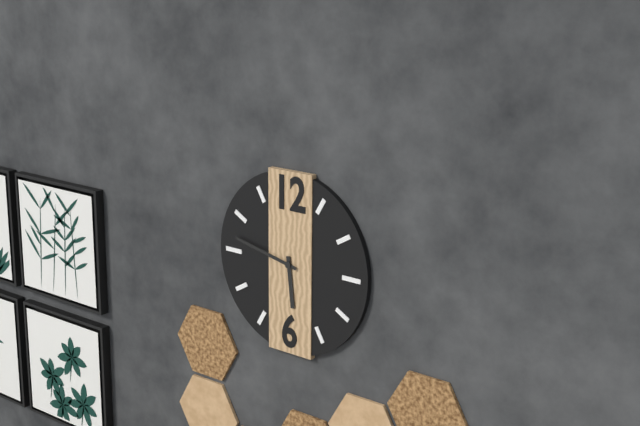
5,47
